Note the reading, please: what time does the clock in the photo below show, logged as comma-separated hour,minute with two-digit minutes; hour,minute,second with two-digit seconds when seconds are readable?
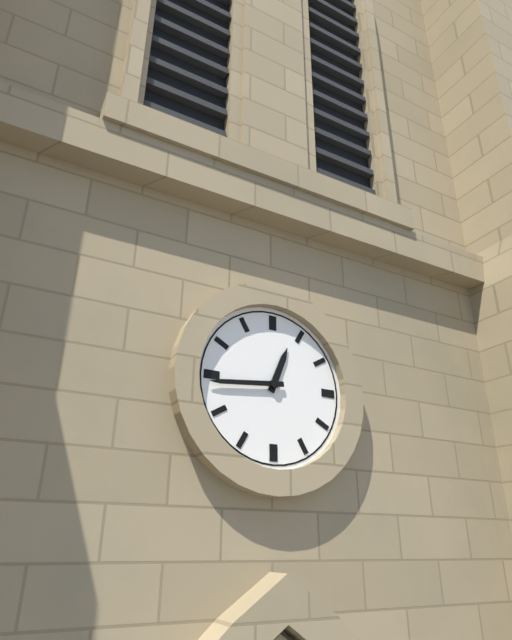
12,44
